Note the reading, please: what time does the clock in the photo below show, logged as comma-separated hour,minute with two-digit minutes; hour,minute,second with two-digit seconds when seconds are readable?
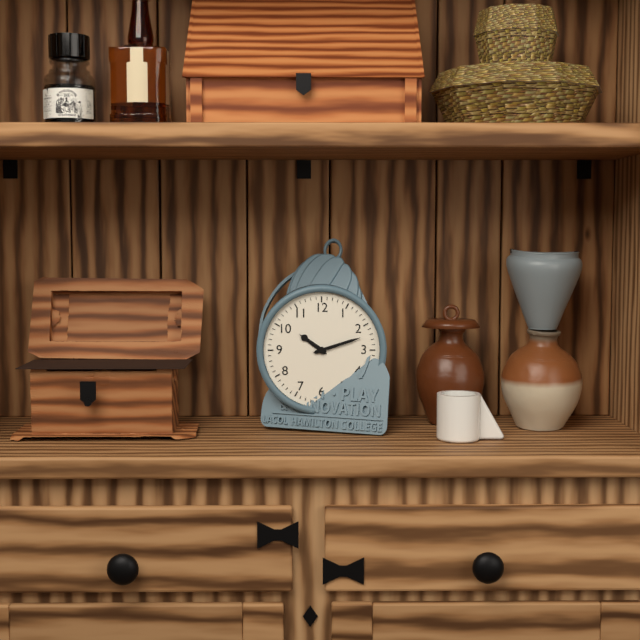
10,12
